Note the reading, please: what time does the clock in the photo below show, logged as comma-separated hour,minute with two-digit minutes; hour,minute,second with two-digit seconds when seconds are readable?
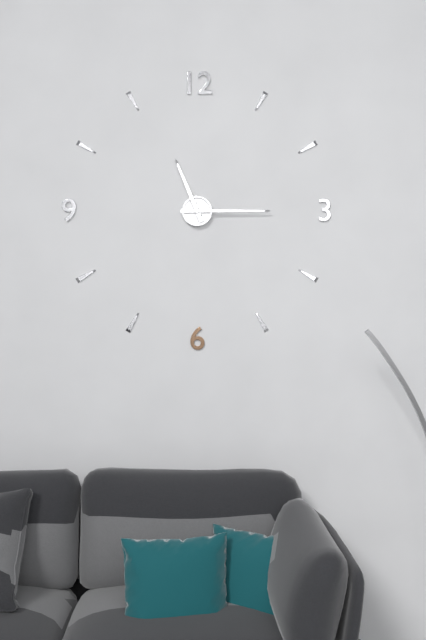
11,15
